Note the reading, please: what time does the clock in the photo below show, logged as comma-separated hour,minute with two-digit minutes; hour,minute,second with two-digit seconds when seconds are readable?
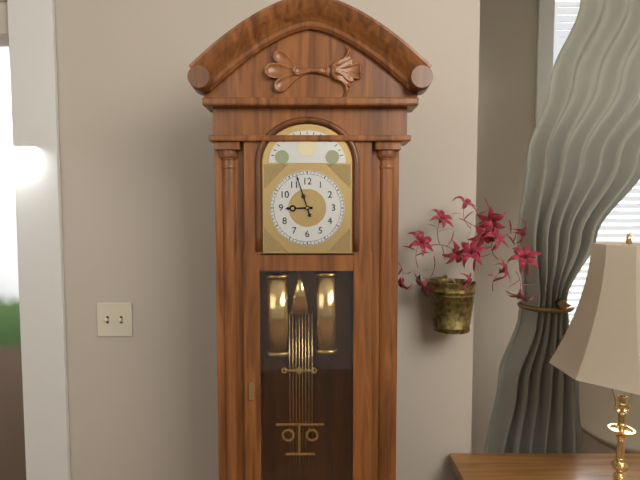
8,57
